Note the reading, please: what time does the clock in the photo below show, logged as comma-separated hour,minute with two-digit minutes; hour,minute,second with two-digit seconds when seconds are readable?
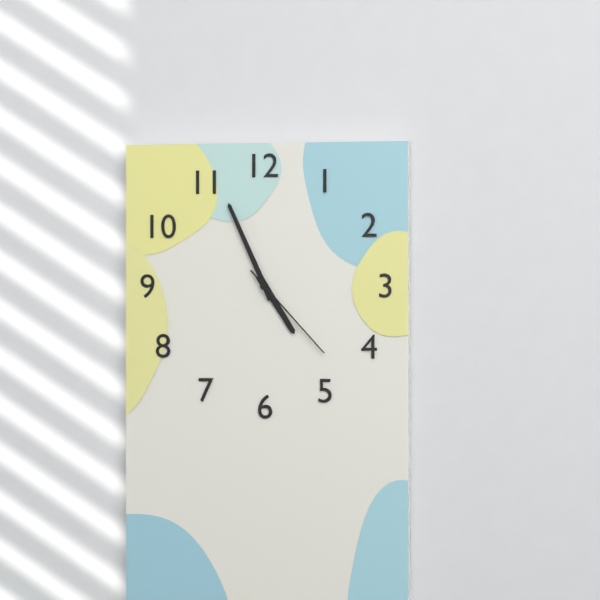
4,56,23
